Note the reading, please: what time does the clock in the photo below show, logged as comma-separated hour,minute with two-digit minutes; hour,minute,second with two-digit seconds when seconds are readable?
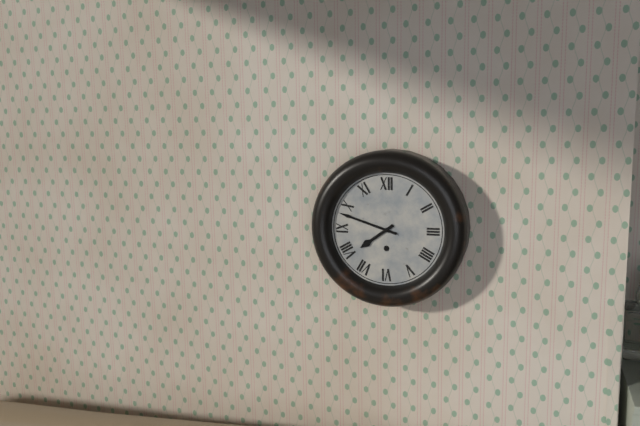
7,48
